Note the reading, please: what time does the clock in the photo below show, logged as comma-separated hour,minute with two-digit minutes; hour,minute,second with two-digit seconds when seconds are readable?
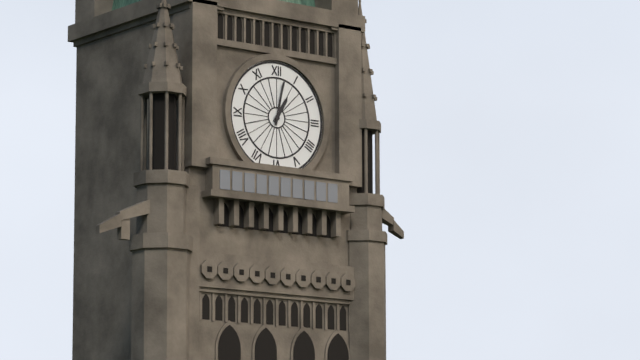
1,02
